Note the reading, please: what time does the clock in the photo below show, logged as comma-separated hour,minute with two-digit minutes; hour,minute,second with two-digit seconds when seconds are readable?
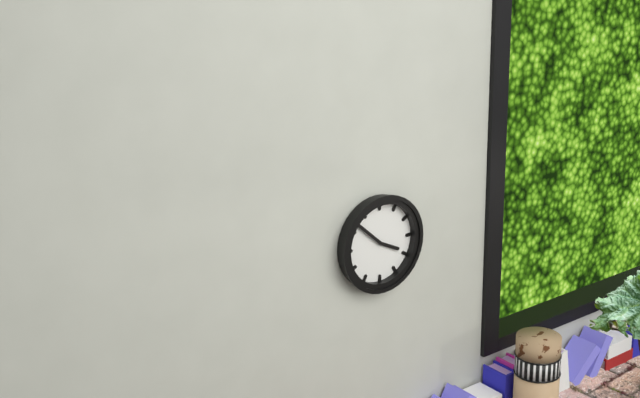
3,52
